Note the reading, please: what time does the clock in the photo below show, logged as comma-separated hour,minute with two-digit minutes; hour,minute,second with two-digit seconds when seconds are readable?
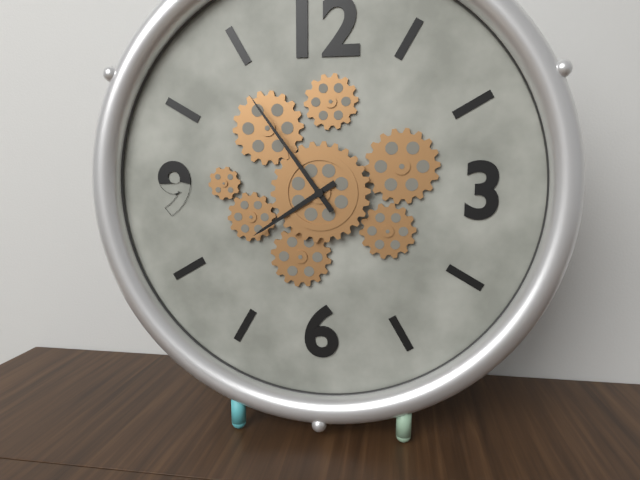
7,54
